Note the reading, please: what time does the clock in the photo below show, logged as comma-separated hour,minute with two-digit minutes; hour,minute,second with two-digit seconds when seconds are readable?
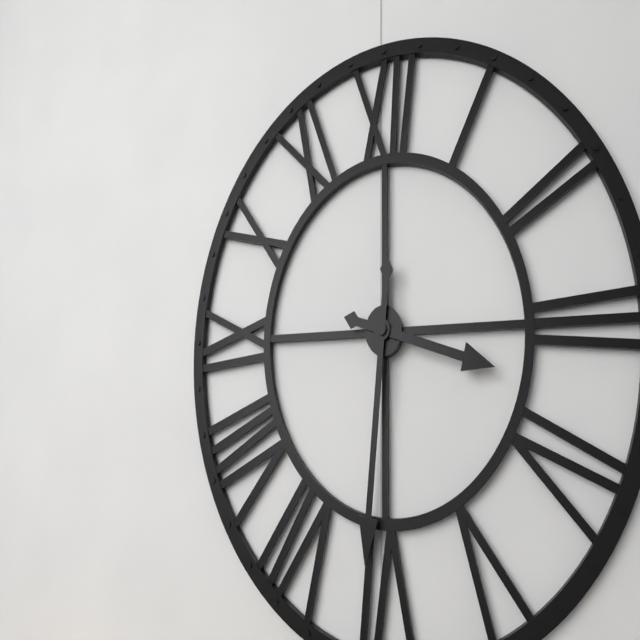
3,31
